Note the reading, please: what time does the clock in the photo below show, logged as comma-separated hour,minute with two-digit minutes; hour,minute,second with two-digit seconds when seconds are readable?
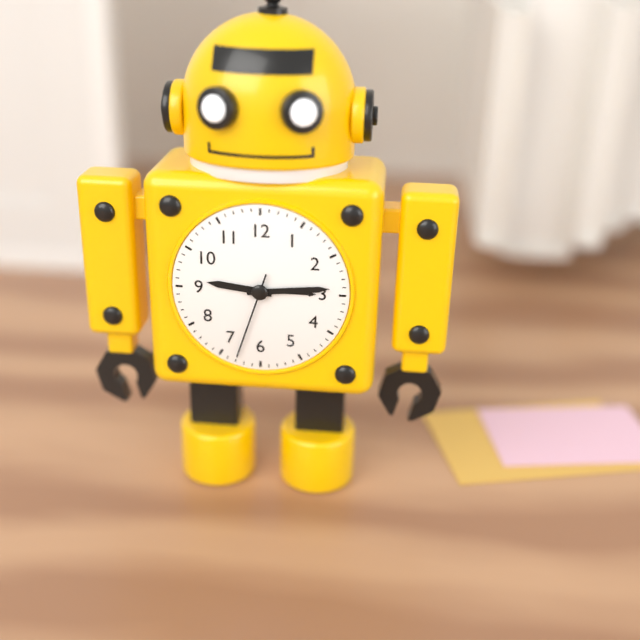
9,14,33
